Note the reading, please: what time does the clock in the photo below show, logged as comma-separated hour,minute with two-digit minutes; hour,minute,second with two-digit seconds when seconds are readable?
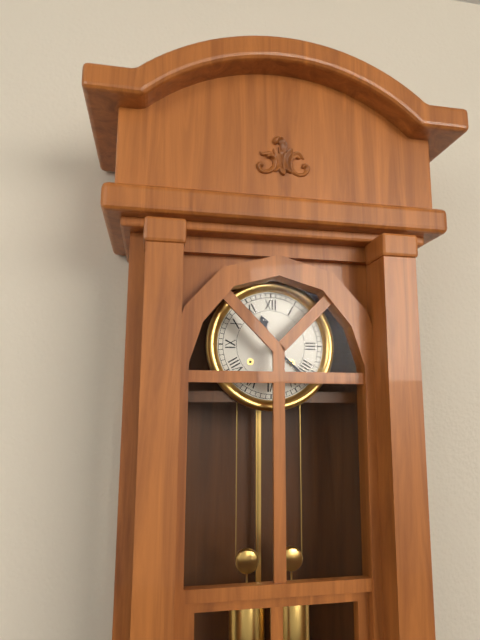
11,22
